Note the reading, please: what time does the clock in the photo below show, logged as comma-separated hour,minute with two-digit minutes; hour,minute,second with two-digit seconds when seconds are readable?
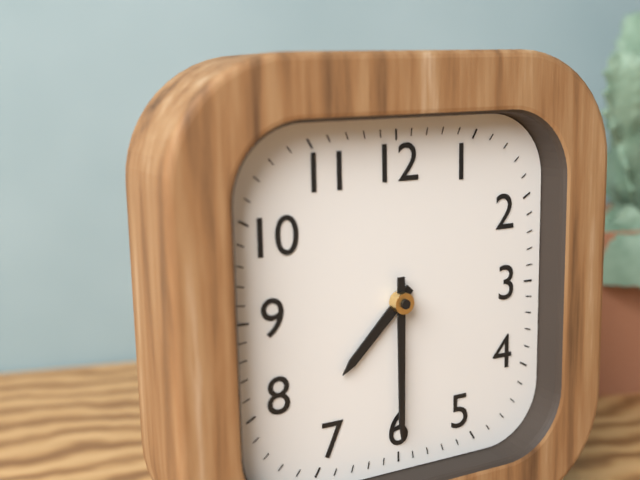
7,30
